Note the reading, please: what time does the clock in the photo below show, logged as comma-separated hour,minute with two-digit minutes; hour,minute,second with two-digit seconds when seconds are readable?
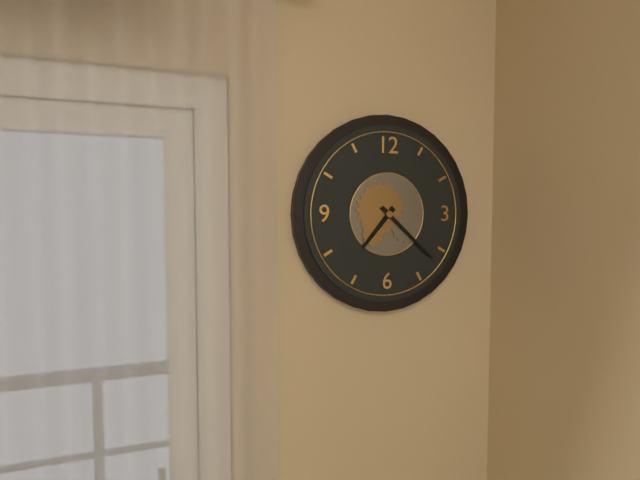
7,22
